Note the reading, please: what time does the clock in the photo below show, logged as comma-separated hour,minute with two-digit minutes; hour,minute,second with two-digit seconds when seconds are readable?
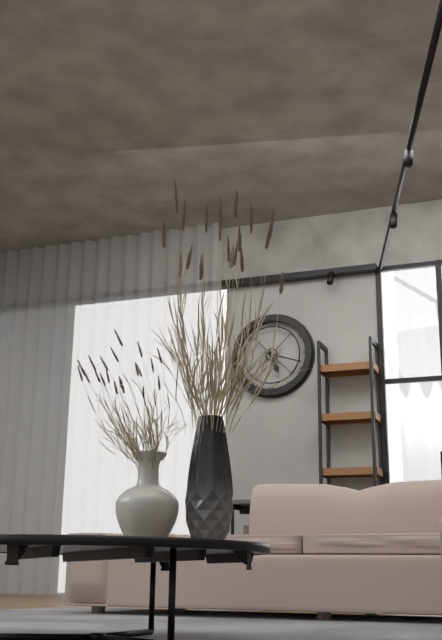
5,18
